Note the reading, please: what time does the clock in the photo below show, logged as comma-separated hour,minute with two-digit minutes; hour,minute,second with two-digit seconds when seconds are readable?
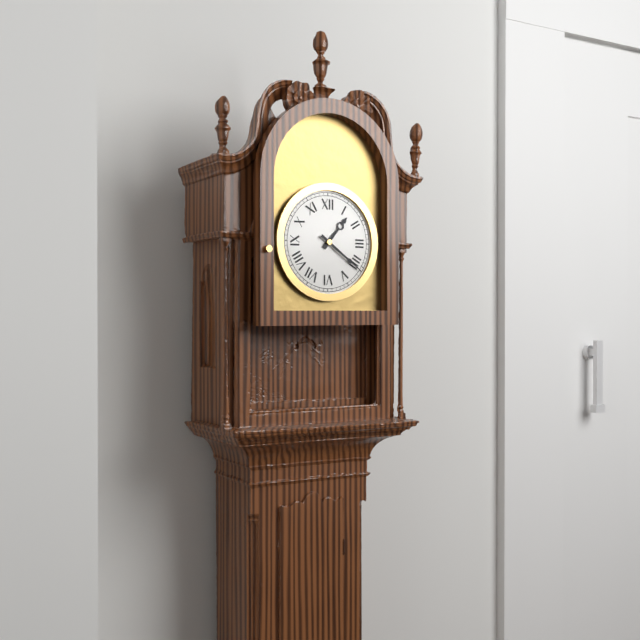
1,21
